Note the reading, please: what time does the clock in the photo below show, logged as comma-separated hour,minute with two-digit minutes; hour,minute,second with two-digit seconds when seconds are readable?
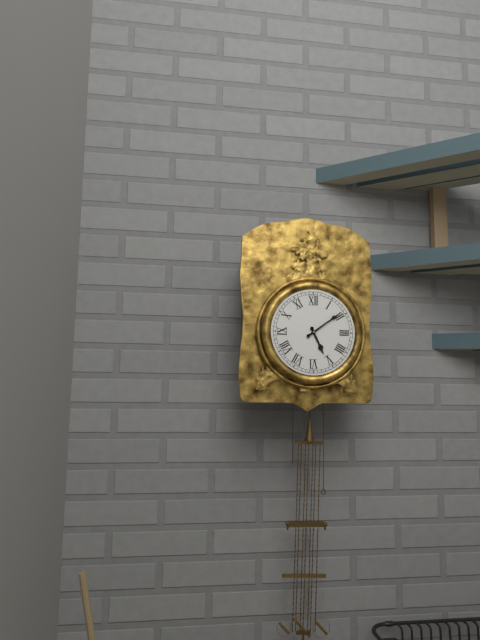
5,09
